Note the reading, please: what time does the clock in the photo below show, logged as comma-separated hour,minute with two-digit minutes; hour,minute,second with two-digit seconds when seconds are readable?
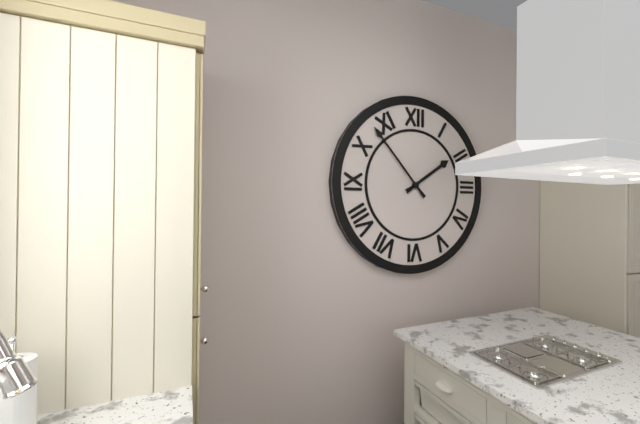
1,53
